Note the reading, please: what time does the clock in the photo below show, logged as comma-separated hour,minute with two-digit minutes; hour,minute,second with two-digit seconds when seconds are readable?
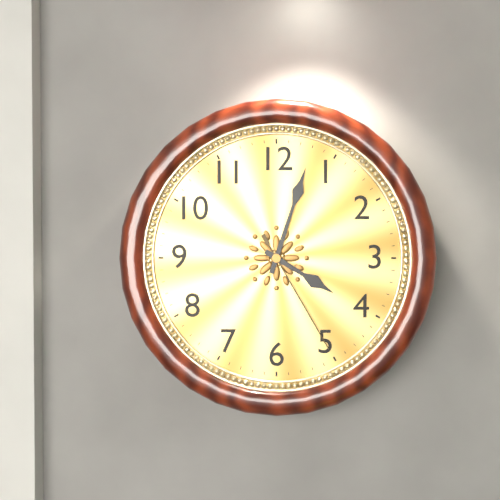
4,03,25
